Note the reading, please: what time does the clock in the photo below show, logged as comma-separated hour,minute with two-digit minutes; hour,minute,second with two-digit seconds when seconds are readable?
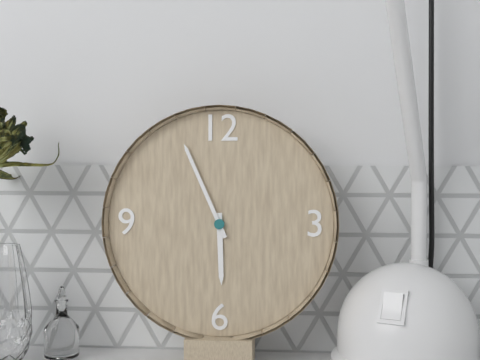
5,56
